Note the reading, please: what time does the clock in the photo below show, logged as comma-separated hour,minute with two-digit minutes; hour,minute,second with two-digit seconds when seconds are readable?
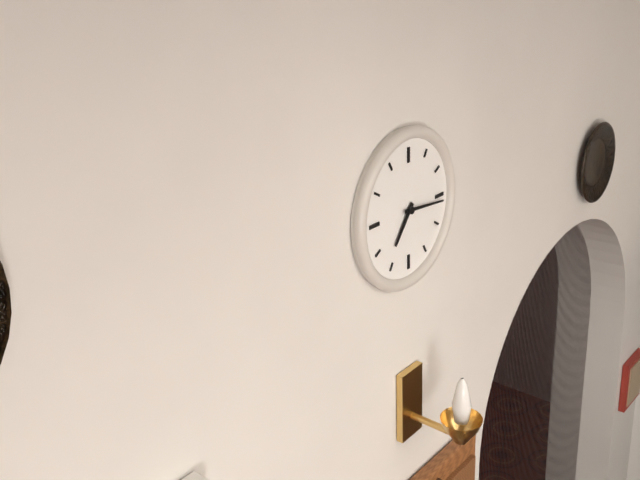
7,16
